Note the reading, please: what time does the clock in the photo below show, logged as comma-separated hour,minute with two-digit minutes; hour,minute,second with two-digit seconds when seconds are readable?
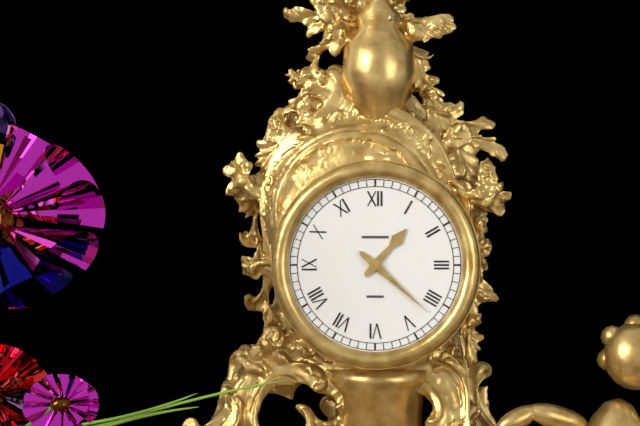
1,22
